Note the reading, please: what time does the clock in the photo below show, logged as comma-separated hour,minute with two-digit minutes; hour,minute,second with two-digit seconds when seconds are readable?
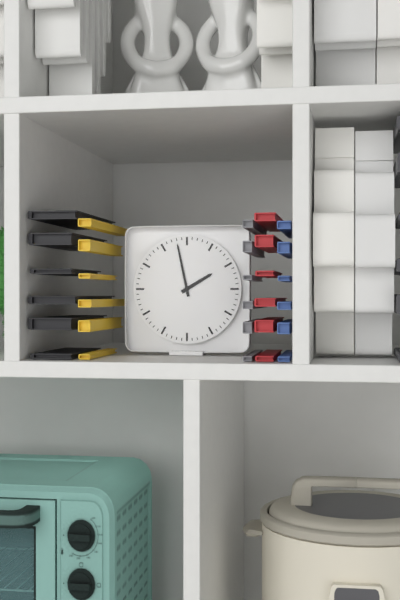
1,58
